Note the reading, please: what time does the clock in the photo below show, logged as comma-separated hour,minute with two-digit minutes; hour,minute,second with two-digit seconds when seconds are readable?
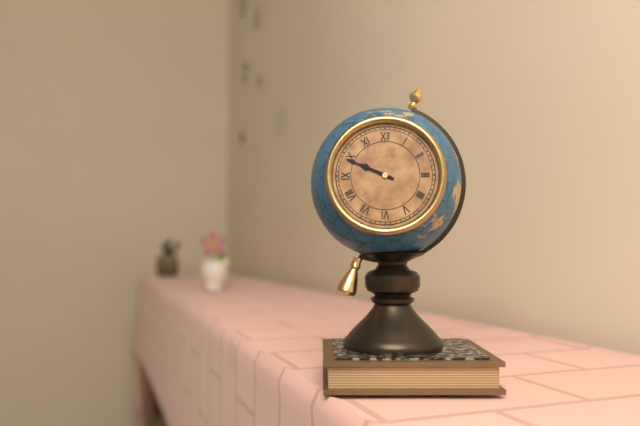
9,49
